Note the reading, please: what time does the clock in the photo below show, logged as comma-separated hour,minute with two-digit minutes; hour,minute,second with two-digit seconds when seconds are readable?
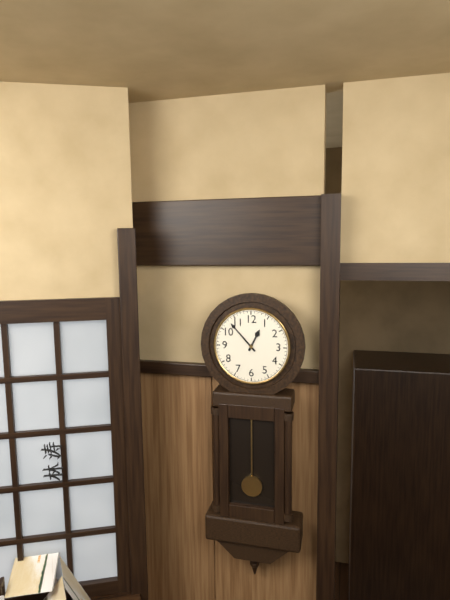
12,53
